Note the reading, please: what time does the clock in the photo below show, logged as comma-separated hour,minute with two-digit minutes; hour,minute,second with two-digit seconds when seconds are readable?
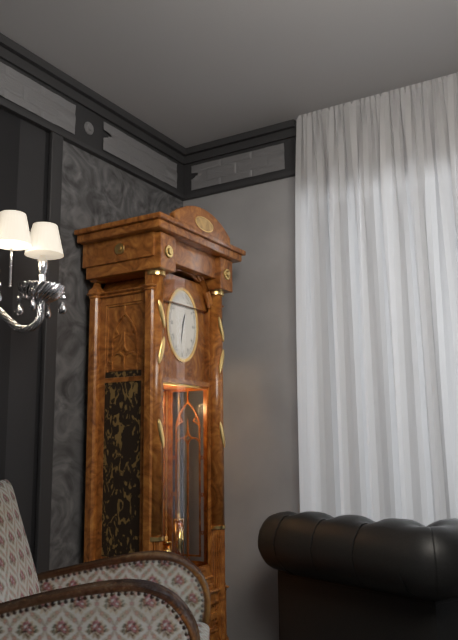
12,32
